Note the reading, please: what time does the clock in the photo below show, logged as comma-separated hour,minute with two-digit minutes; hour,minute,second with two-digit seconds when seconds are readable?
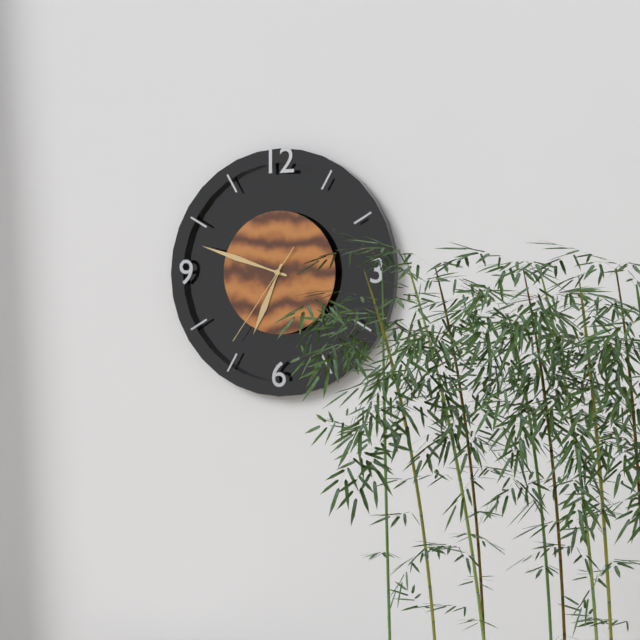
6,48,36
